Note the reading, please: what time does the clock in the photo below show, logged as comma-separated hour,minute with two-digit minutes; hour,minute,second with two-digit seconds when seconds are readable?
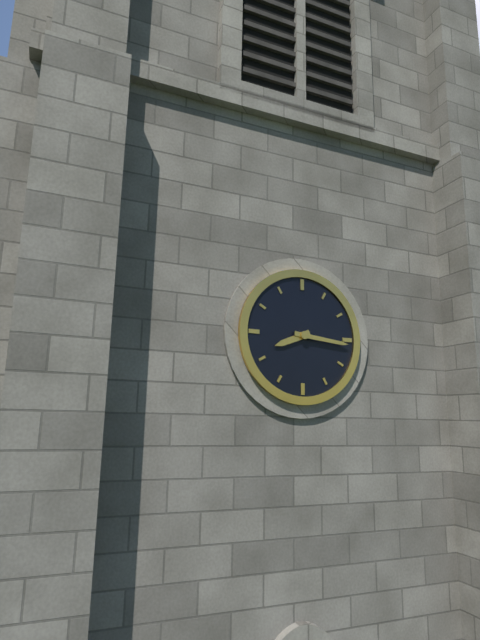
8,16
